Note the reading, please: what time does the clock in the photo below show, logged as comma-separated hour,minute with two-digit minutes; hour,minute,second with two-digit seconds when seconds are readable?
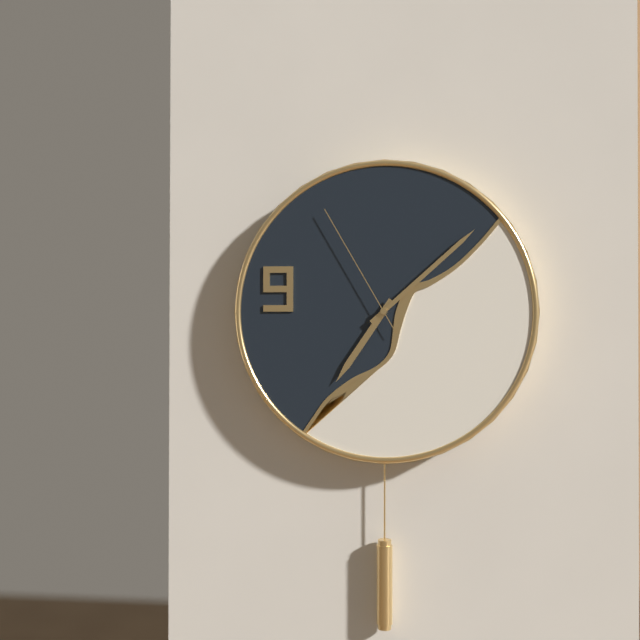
7,08,55
